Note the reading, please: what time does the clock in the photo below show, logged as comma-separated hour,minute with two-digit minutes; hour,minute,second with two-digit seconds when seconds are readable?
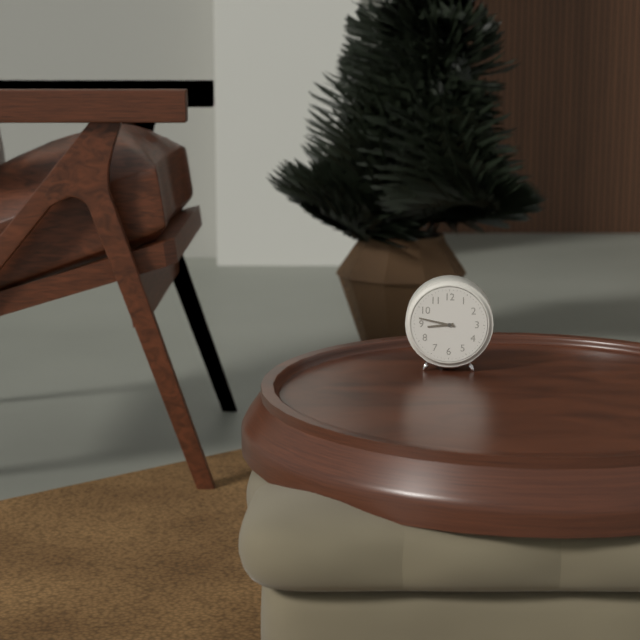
8,47
